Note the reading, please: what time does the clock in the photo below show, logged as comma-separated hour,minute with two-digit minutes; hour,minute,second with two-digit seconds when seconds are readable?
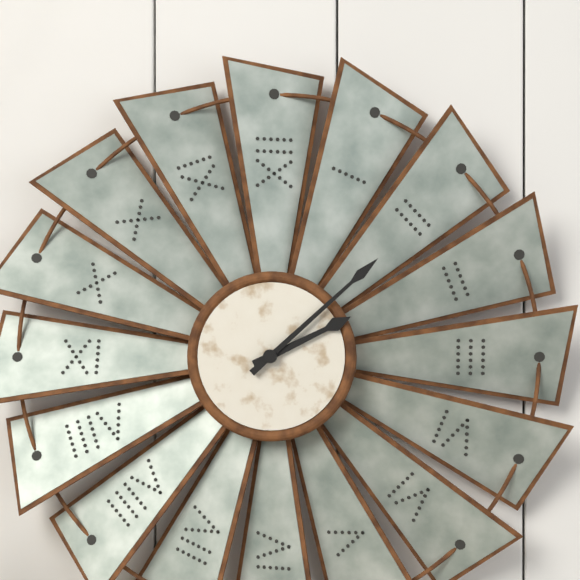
2,08
